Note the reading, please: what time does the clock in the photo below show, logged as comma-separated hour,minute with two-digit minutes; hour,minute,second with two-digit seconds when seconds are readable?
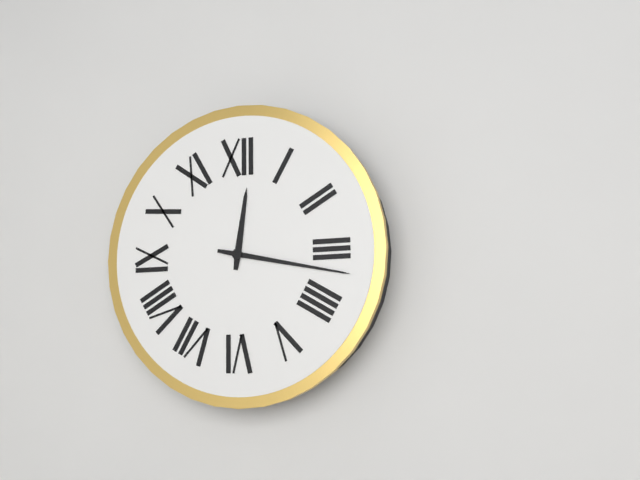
12,17
